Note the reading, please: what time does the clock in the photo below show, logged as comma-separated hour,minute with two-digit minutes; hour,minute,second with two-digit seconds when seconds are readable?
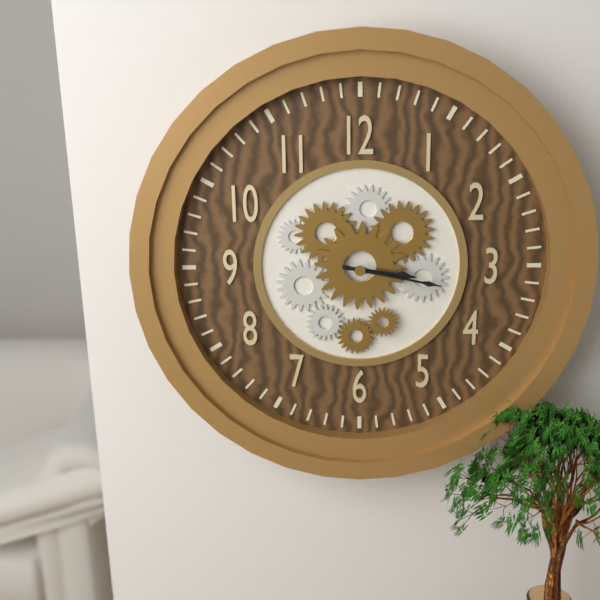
3,17
